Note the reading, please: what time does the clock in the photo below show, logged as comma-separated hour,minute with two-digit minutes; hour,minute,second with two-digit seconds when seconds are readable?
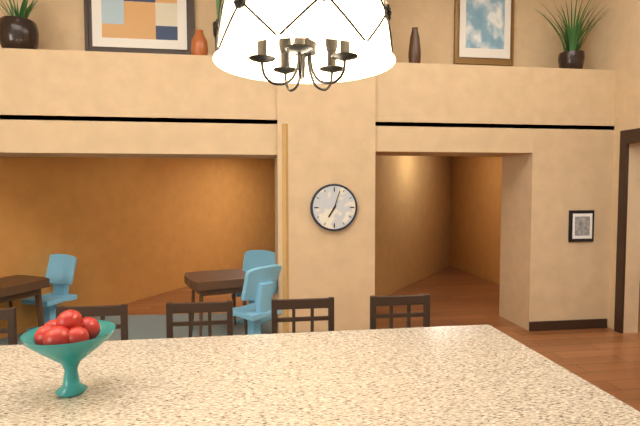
7,03
